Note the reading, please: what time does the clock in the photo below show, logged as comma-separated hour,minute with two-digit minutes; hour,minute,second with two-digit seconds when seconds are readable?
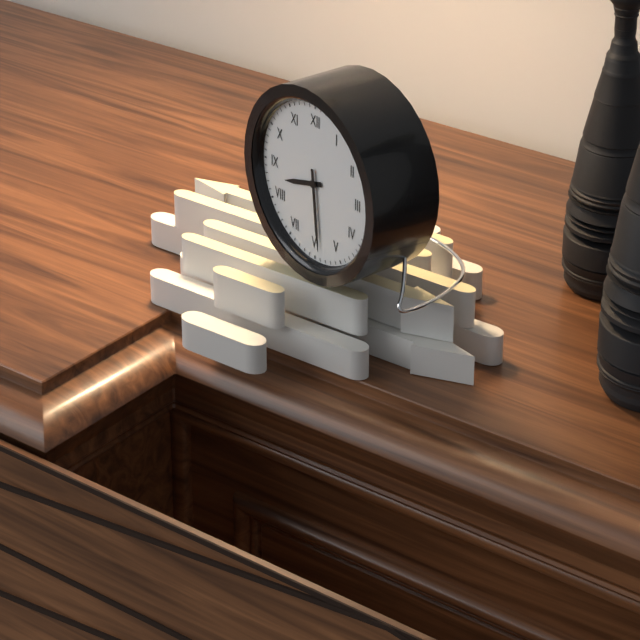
8,29
